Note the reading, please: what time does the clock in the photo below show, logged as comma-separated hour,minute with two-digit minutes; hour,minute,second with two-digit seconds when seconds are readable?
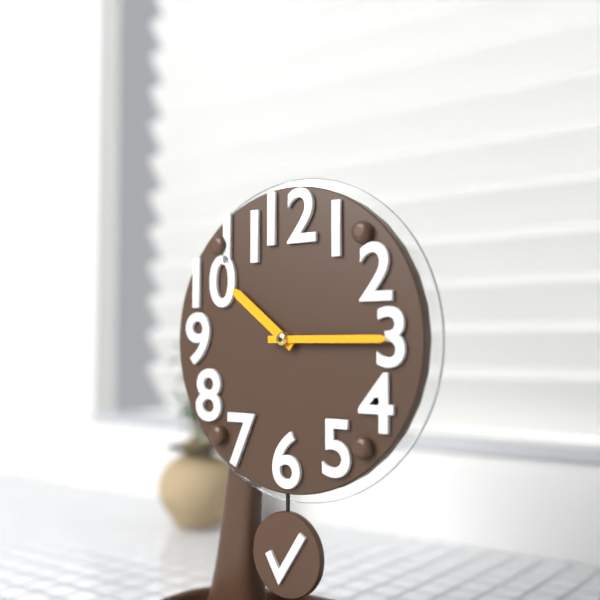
10,15
